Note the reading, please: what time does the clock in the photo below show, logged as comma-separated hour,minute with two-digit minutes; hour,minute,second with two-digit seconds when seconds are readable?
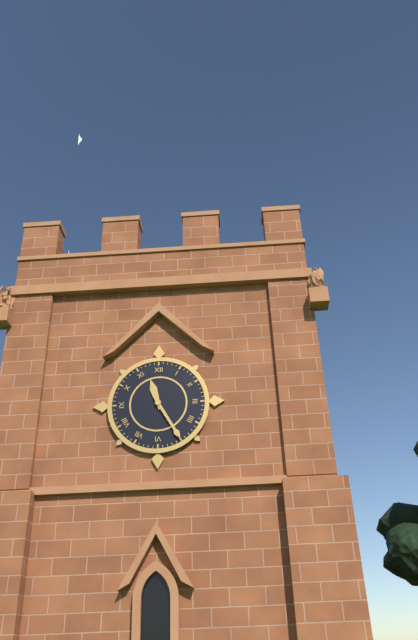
11,25
